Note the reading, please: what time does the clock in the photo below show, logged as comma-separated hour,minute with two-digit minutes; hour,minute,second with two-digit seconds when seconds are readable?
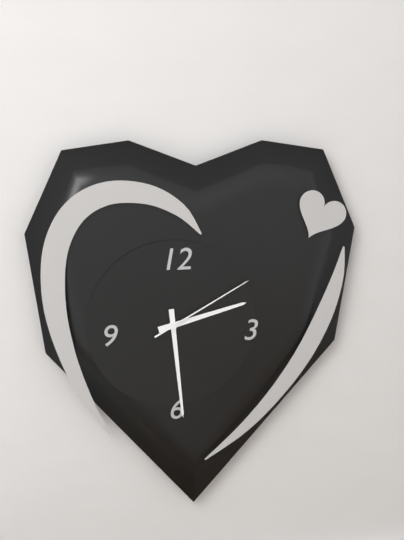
2,29,10
